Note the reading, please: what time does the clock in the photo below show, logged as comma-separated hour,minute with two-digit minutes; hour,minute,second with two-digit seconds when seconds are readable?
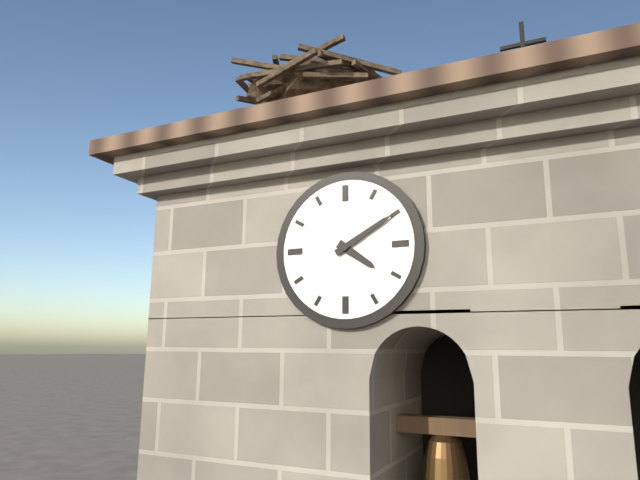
4,10
